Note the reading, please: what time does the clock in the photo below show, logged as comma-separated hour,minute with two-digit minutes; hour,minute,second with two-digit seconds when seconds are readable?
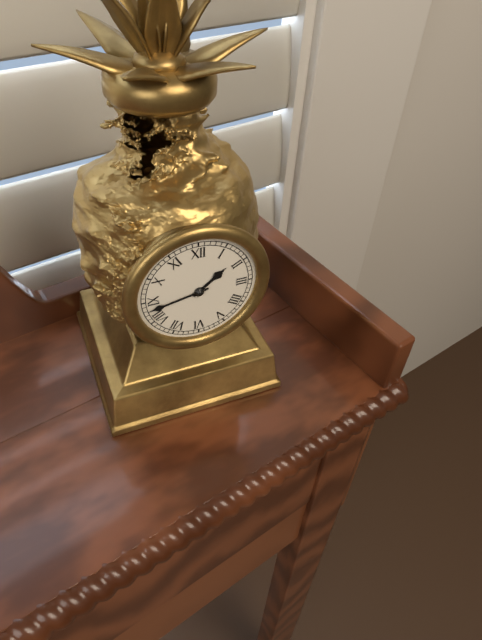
1,43
